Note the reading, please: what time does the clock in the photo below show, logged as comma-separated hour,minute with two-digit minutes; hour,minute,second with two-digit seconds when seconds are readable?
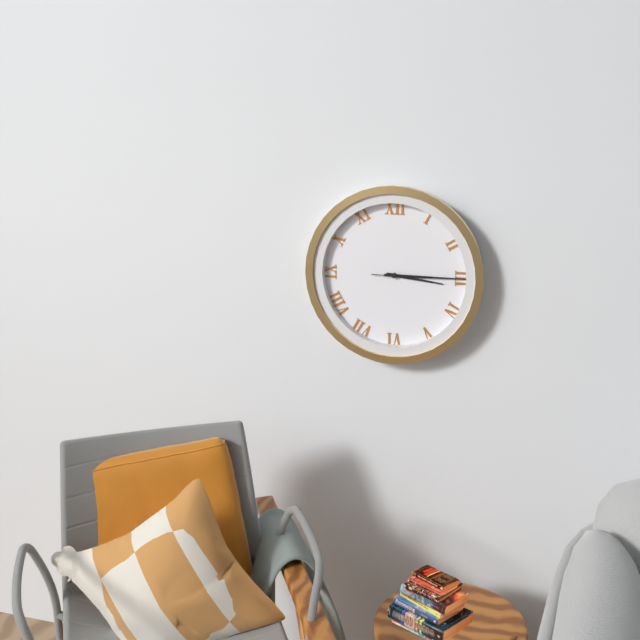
3,15,15
